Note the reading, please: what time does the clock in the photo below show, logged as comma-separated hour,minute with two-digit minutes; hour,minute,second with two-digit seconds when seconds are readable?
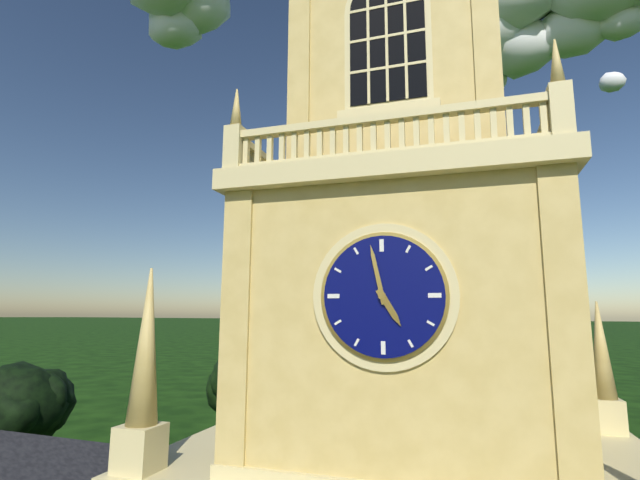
4,58
